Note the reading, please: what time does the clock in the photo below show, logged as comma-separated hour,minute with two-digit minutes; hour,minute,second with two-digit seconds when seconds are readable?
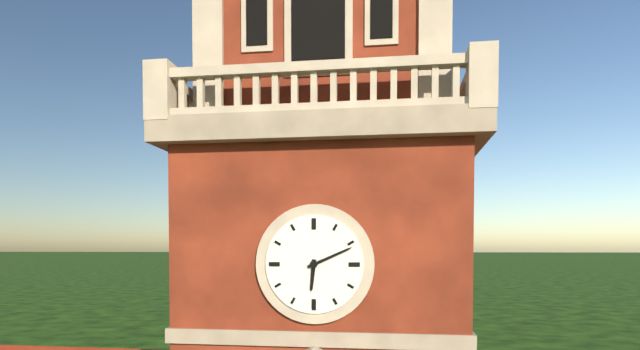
6,11
